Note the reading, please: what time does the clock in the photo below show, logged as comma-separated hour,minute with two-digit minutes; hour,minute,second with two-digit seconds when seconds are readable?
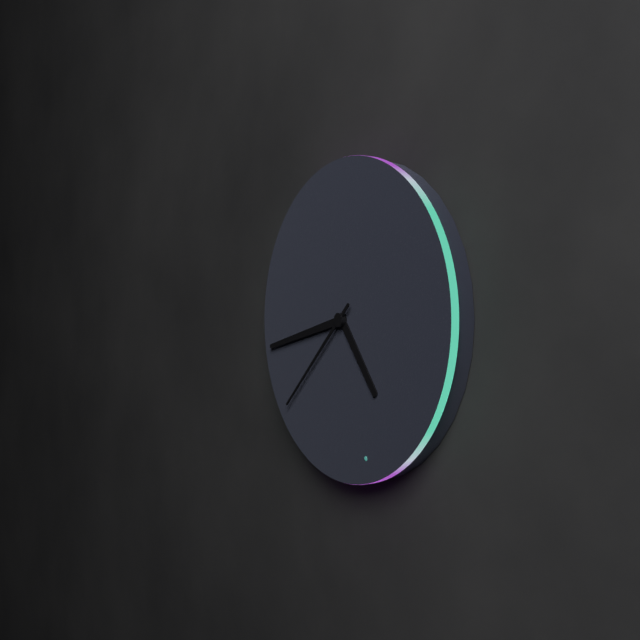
4,43,38
